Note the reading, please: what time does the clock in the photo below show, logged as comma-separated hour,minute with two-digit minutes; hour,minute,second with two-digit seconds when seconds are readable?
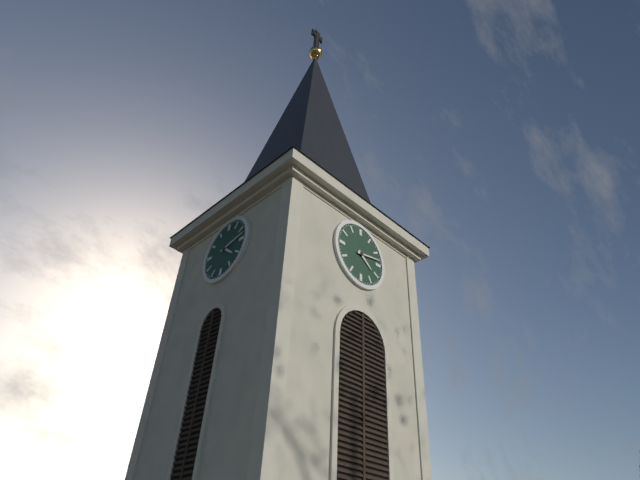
4,13
